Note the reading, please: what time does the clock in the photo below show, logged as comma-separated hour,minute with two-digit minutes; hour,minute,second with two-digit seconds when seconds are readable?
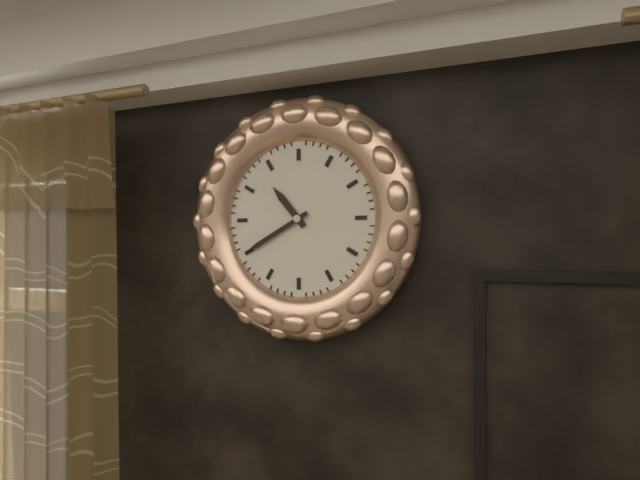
10,40
